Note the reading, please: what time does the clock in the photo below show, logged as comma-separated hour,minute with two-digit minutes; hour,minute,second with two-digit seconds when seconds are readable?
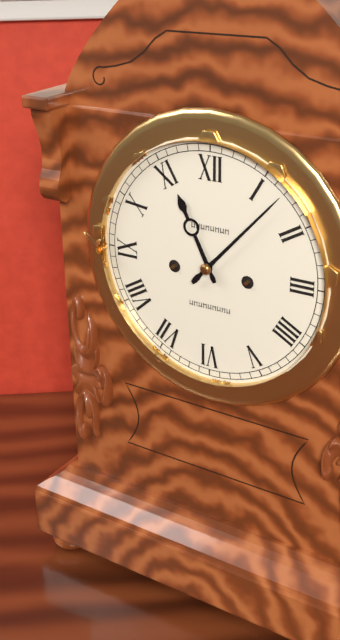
11,07
